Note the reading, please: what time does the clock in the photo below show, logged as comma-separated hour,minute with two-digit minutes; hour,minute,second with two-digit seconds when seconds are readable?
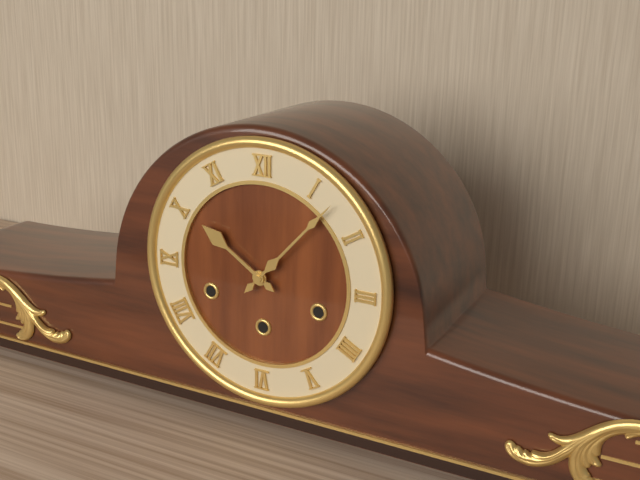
10,07
